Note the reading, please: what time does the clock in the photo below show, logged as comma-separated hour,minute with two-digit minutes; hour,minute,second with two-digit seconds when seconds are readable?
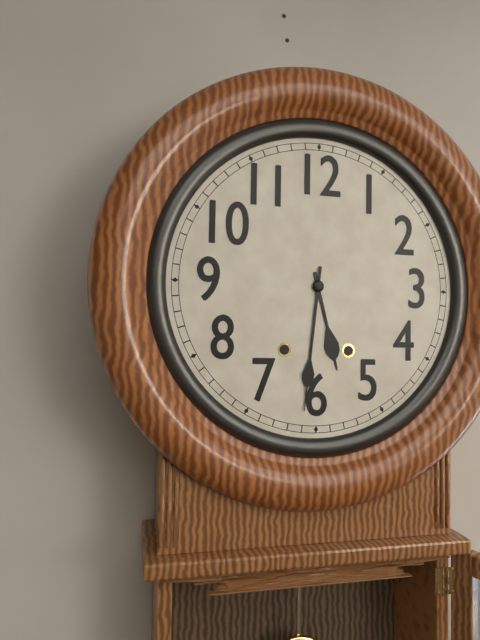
5,31
